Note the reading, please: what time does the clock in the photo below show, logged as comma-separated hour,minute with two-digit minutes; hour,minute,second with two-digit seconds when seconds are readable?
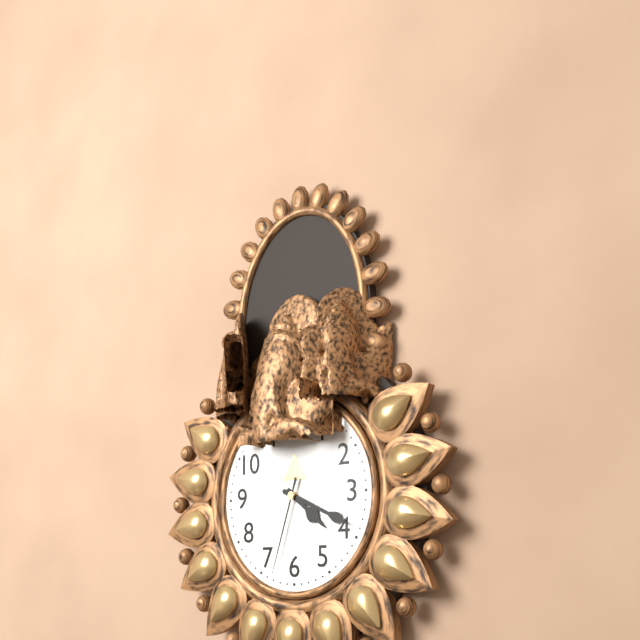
4,19,33
